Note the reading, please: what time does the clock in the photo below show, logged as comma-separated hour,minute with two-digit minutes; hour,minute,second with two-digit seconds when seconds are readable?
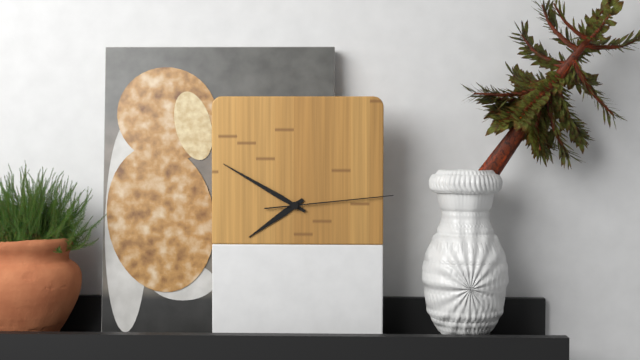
7,50,14
